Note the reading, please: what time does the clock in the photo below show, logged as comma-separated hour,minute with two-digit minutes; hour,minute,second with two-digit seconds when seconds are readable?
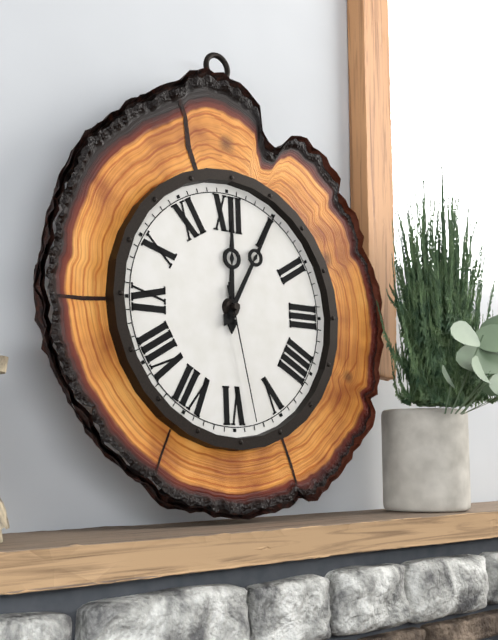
12,05,28
